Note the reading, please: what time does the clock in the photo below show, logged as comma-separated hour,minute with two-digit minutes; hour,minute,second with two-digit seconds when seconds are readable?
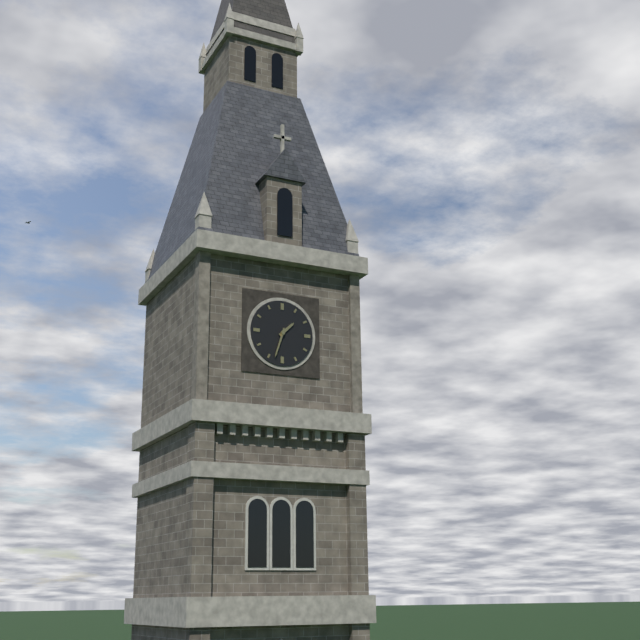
1,33
